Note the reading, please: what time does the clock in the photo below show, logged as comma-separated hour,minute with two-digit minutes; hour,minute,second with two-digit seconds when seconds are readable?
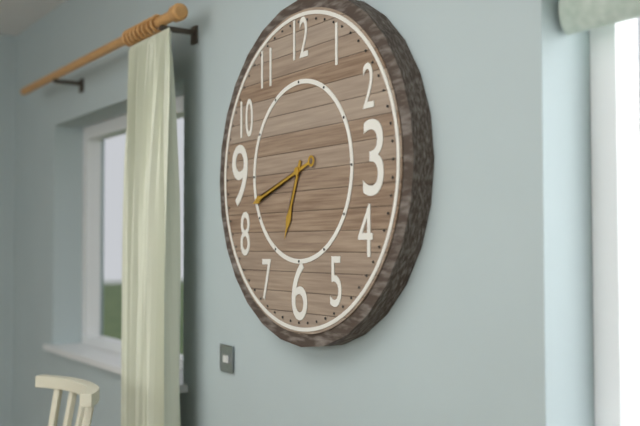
6,42
